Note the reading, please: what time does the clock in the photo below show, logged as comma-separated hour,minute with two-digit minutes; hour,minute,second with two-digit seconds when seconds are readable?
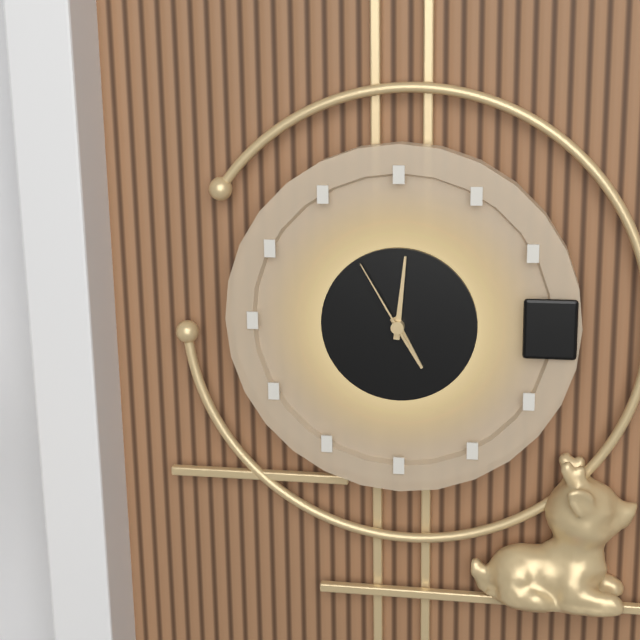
5,01,55
